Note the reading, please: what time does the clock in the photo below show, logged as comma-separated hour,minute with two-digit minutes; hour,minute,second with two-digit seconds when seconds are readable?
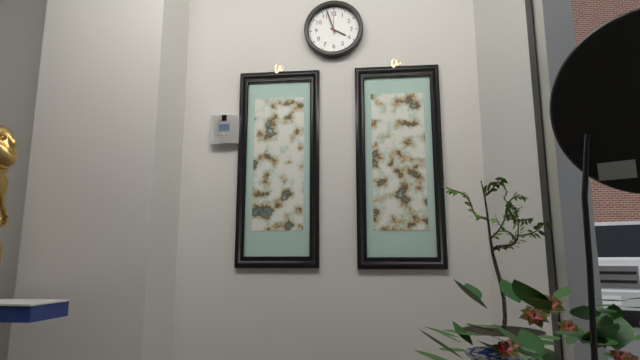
3,57
